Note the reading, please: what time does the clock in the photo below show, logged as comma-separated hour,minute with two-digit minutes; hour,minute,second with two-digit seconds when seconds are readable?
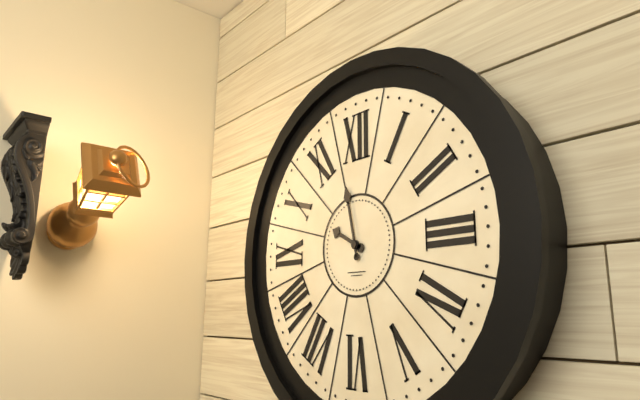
9,58
